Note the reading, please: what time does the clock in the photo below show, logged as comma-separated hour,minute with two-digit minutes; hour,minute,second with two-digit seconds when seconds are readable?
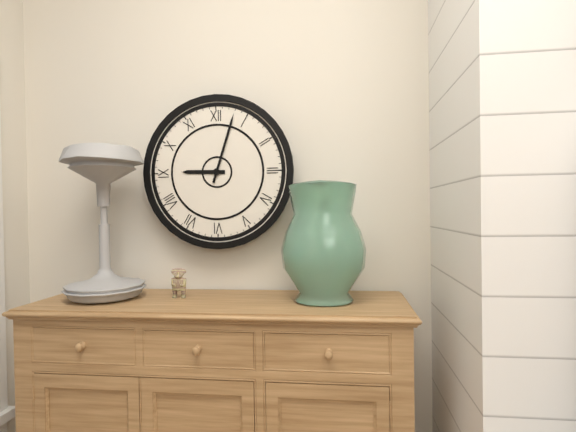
9,03
